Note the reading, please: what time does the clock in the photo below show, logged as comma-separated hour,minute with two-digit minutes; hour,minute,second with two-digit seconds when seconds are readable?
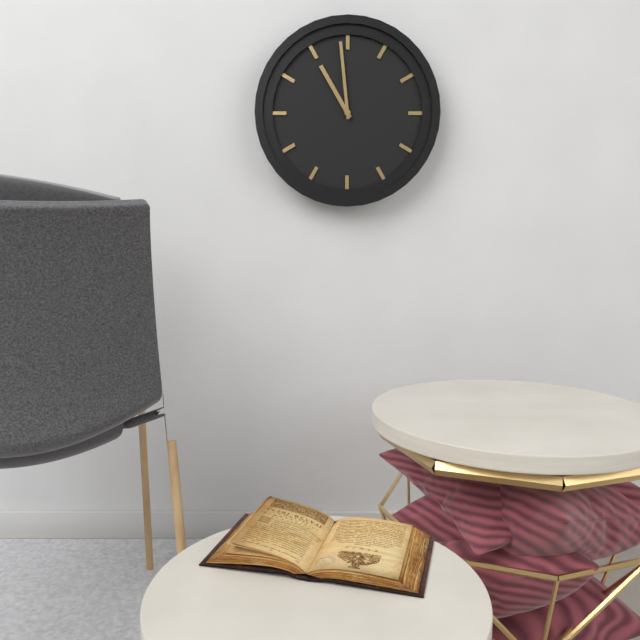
10,59
